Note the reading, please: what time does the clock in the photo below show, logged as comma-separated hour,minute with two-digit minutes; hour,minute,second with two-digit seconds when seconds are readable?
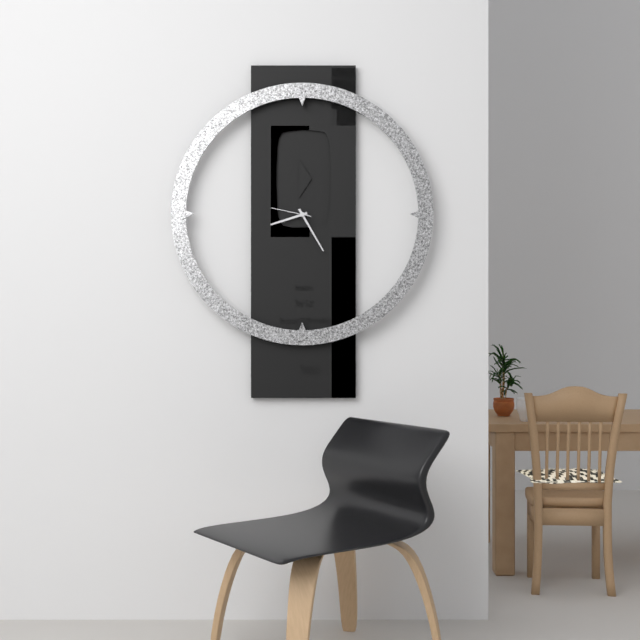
8,25
